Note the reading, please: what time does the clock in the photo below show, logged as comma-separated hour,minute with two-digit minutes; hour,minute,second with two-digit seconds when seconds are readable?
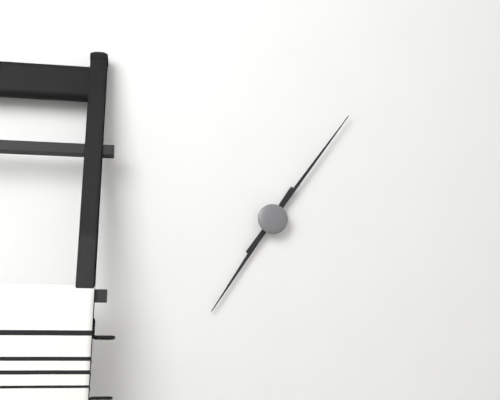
7,06
